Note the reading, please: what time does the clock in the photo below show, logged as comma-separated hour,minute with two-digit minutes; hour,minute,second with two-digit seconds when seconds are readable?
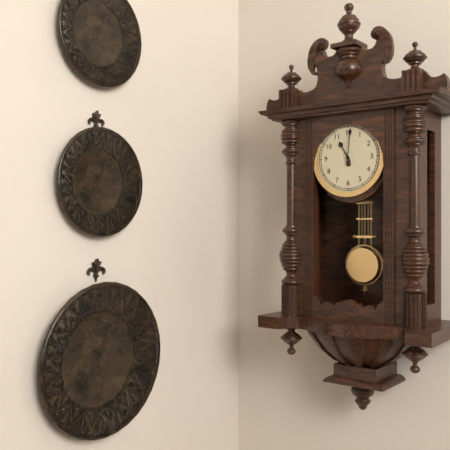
11,01
